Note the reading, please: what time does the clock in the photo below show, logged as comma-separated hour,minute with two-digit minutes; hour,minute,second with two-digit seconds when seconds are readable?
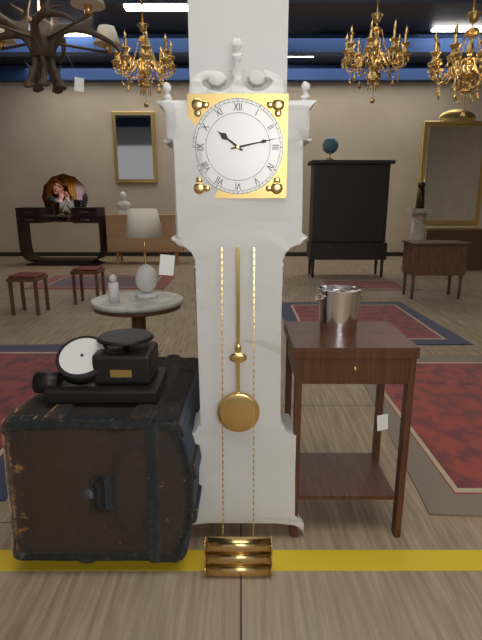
10,13
